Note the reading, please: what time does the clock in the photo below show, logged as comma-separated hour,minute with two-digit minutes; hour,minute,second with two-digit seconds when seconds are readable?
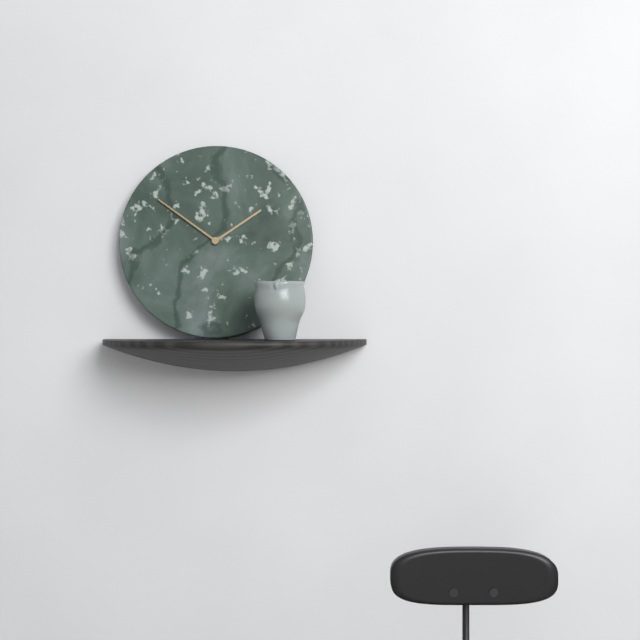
1,51
